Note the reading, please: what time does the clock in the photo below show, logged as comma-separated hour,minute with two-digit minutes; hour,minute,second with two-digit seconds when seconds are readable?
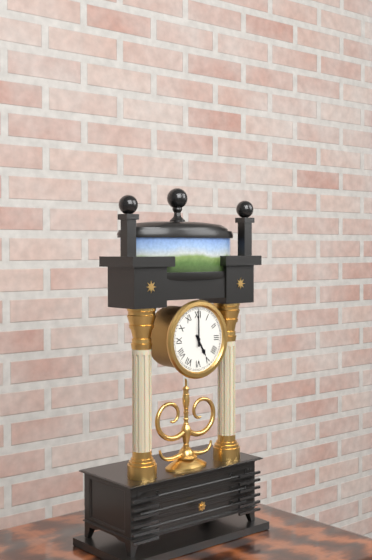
5,00
